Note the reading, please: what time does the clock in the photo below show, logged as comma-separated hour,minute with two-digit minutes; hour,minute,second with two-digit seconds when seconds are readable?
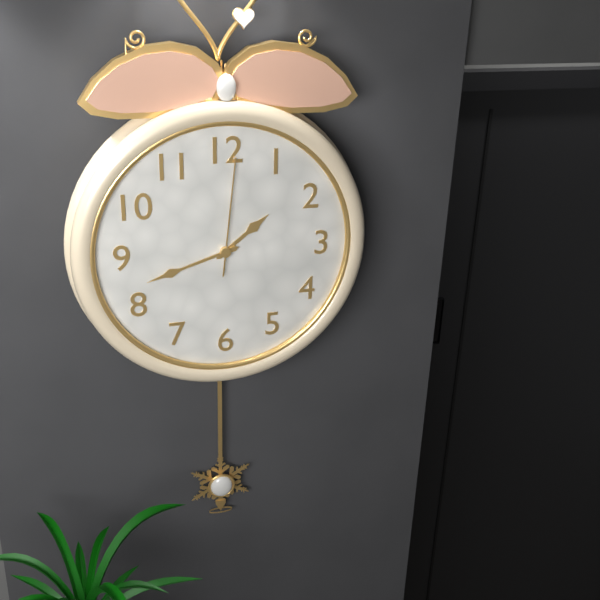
1,42,01
